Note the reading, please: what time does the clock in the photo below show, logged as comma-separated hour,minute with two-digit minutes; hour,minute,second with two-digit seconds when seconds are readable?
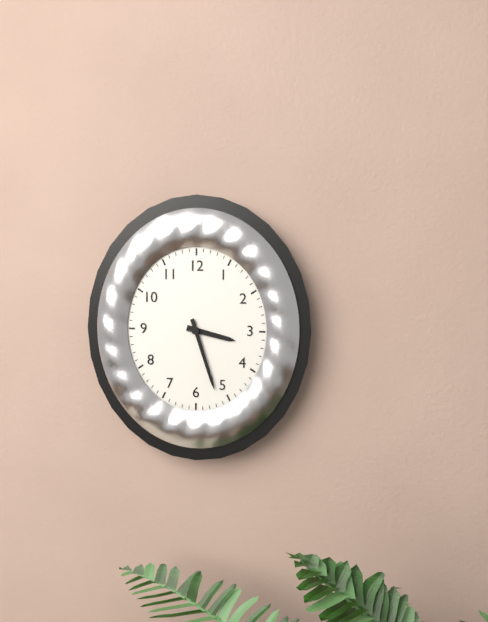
3,27
